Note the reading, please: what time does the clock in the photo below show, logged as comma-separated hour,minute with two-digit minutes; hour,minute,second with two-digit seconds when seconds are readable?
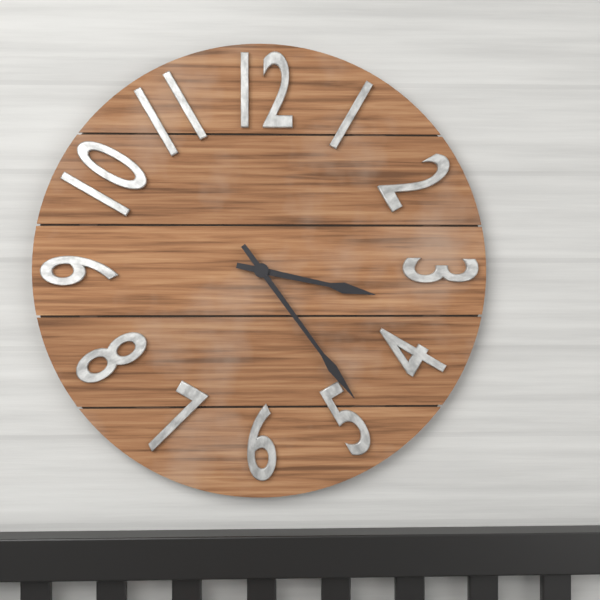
3,24
